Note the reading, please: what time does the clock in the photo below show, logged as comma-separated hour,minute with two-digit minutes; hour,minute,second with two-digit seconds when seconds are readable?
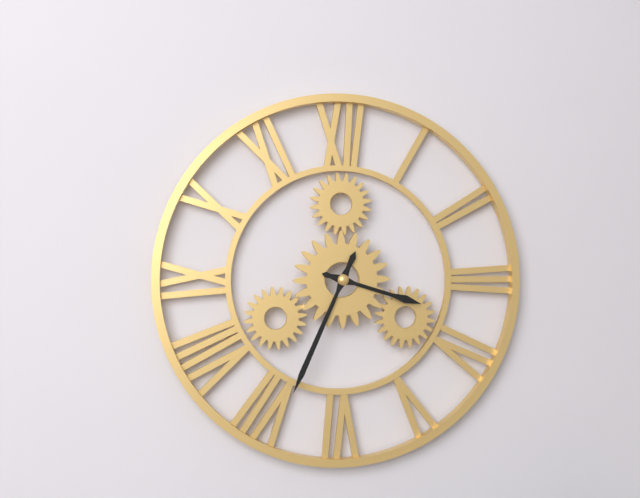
3,34
